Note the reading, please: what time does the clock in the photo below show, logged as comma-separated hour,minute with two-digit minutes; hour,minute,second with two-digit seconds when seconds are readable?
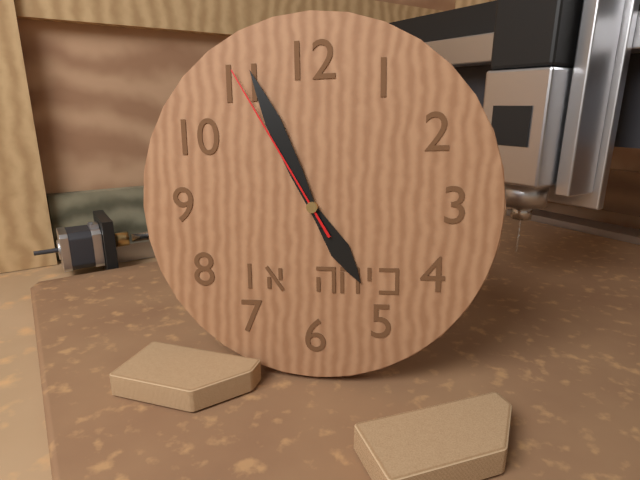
4,56,55
